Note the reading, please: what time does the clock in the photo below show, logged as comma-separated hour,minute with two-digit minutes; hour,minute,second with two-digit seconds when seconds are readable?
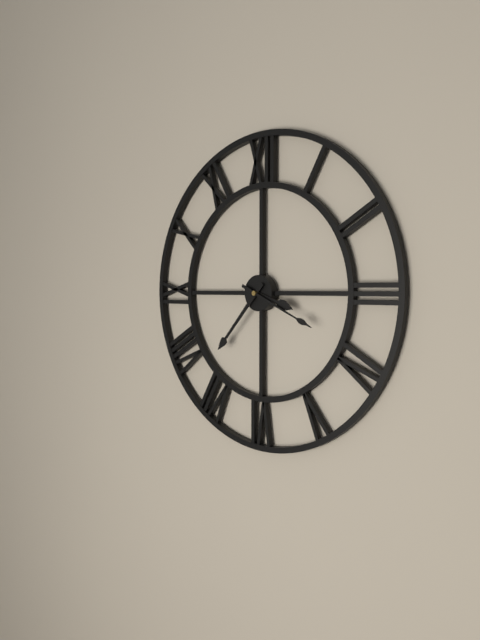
3,37,19
